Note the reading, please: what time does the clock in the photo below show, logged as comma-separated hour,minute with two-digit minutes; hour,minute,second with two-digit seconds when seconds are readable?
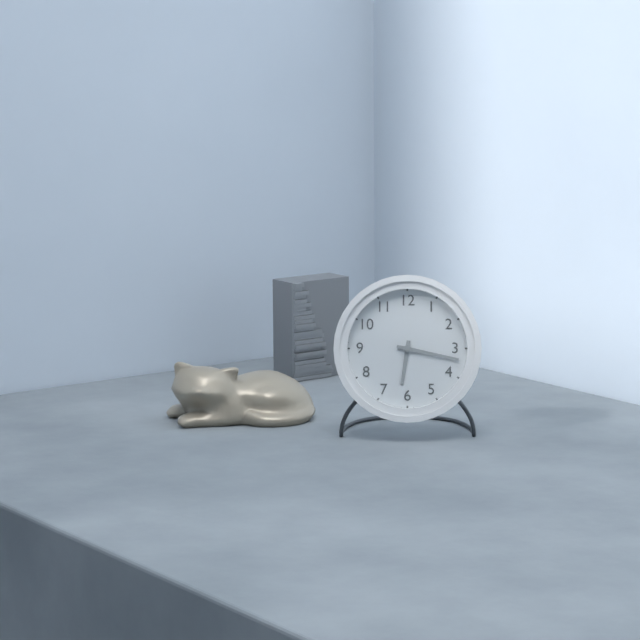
6,17
